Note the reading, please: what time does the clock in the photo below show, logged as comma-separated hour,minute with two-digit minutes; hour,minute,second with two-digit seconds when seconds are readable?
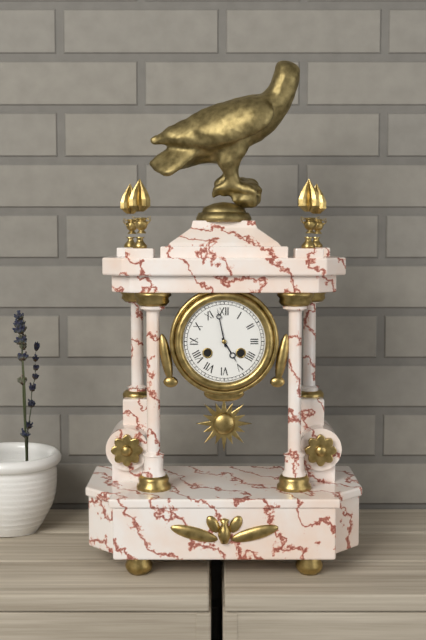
4,58
